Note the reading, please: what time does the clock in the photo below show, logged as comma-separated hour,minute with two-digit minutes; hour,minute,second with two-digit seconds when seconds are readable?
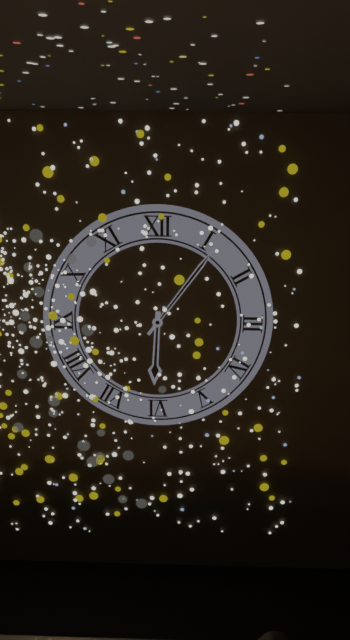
6,06
